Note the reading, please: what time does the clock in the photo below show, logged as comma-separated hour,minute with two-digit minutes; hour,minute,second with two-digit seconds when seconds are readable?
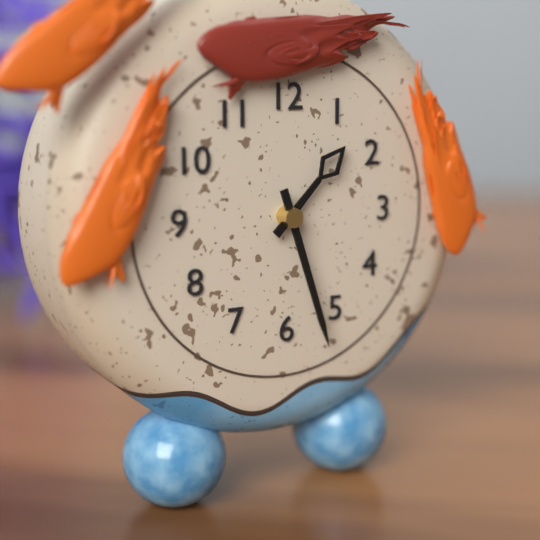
1,27
